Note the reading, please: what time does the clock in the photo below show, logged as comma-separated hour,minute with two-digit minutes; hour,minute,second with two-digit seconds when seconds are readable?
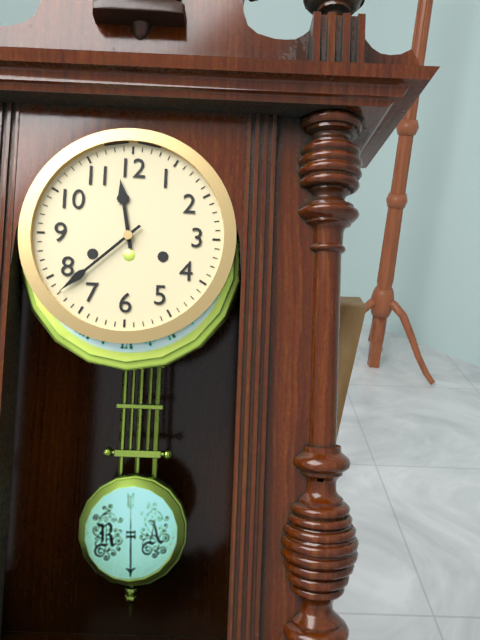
11,38
